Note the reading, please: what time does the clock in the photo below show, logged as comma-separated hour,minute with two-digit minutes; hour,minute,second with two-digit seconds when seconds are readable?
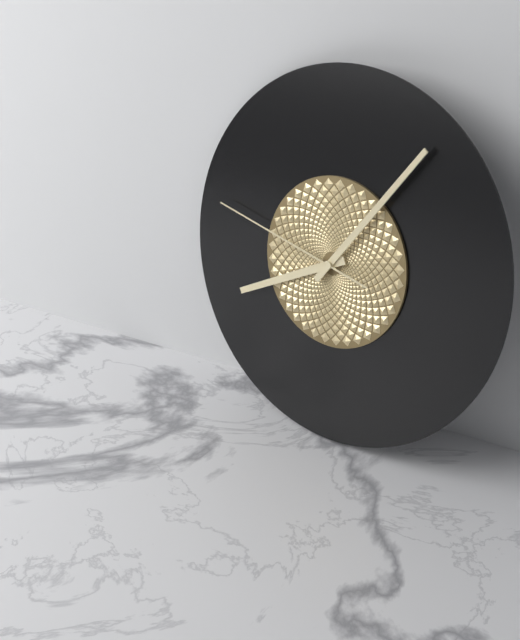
8,06,47
